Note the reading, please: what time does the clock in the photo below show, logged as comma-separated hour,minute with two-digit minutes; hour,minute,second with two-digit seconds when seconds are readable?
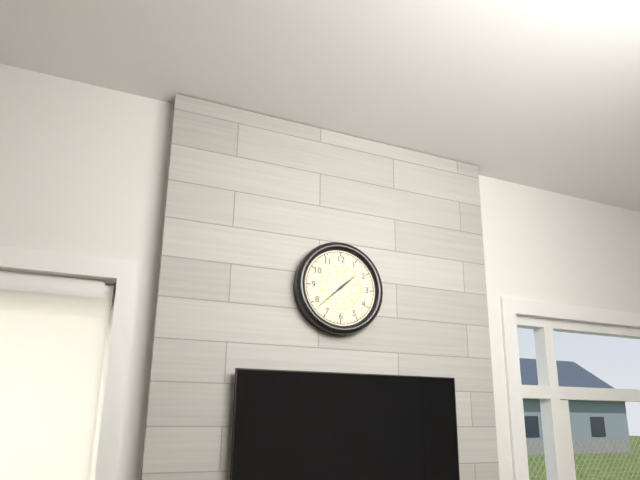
1,38
